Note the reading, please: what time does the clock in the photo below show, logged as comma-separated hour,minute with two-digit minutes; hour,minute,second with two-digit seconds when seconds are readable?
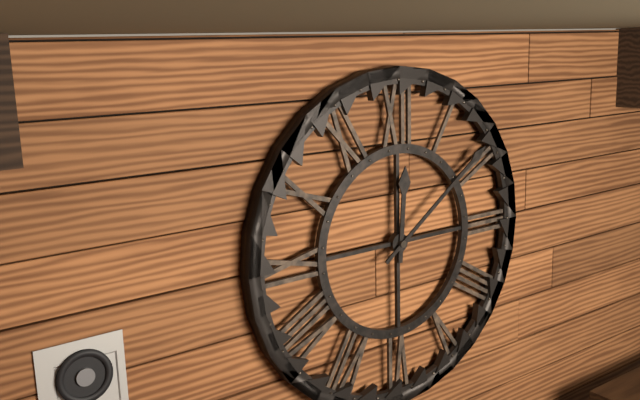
12,09
